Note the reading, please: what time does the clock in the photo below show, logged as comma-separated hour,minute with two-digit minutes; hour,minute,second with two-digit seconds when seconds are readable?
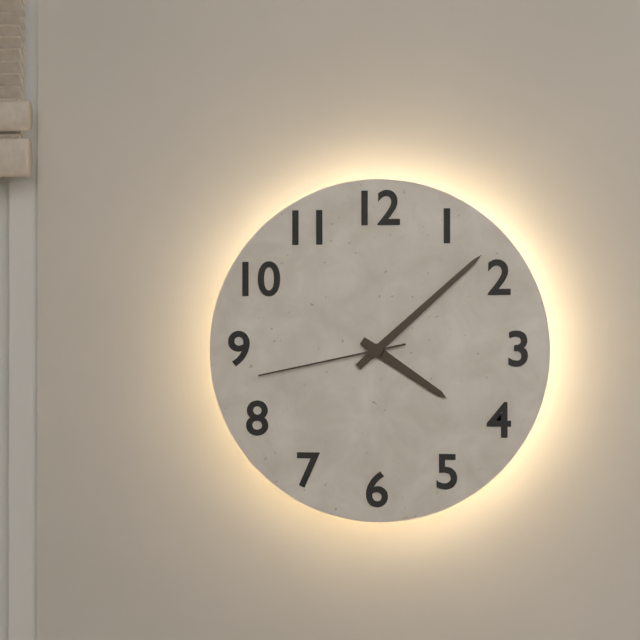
4,08,43
